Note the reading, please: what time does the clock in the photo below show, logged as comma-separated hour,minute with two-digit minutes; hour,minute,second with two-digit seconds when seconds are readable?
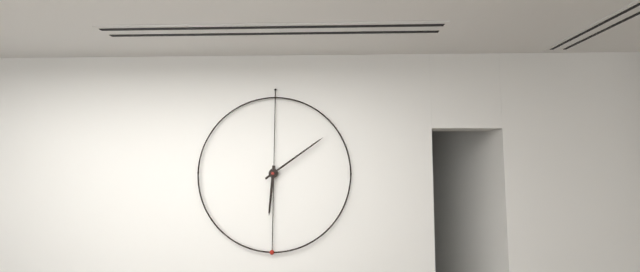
6,09
